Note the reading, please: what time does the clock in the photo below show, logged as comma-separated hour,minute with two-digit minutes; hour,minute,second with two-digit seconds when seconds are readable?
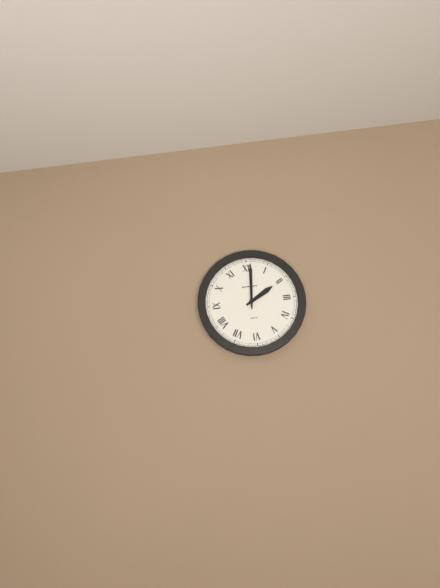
2,01
